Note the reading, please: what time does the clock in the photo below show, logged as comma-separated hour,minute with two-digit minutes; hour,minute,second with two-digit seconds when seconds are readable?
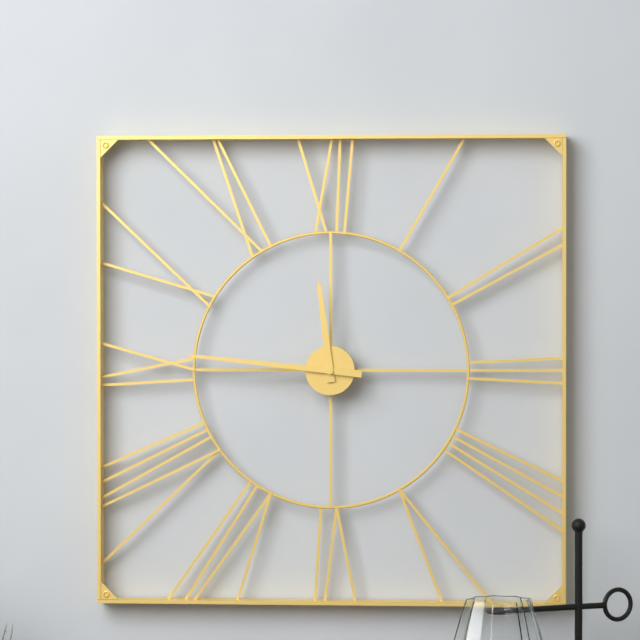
11,46
